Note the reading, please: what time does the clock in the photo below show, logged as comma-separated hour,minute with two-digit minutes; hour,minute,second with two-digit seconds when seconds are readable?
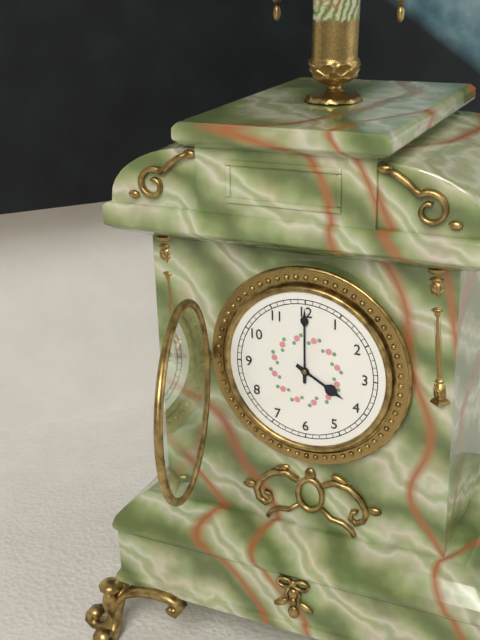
4,00
